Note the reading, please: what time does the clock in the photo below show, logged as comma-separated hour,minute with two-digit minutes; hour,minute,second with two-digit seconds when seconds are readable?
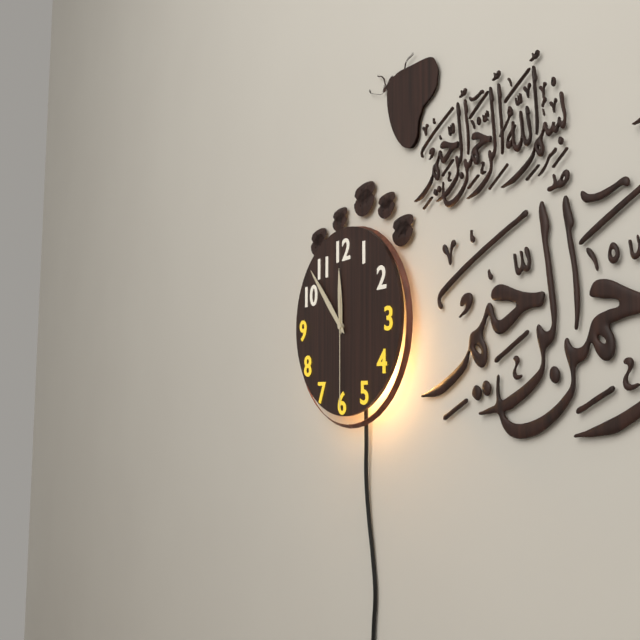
11,53,30
